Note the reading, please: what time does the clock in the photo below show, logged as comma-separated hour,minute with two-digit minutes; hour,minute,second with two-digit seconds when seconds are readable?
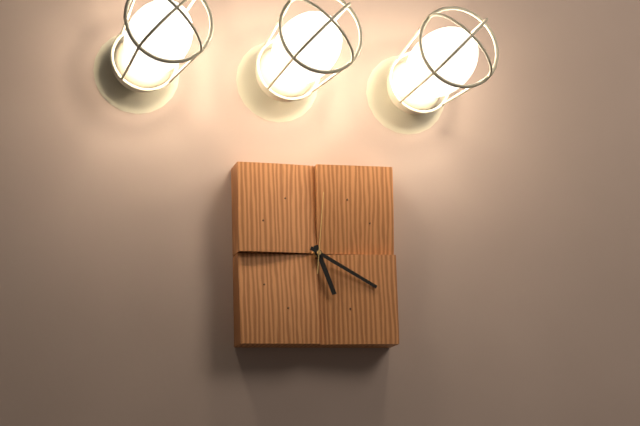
5,20,01
